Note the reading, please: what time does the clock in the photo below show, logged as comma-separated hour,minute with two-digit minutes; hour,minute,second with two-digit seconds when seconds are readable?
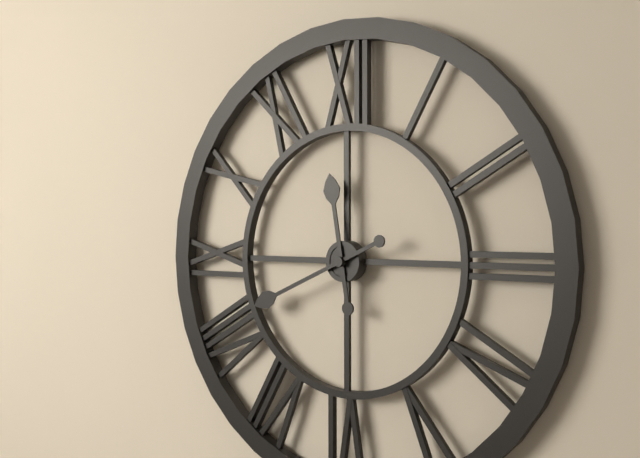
11,41
